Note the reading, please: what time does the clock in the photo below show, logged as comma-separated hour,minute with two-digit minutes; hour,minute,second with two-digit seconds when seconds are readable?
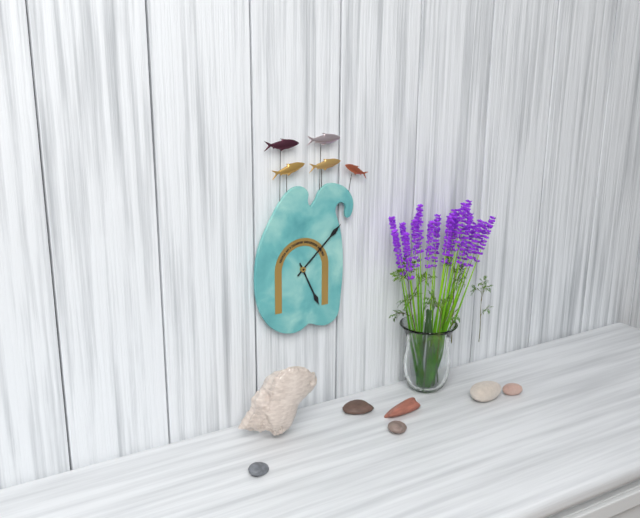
5,08
